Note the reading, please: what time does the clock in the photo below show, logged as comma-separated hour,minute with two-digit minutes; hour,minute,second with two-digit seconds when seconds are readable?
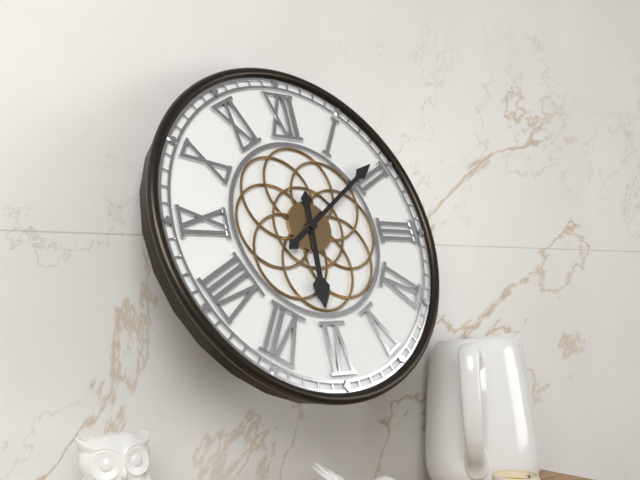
6,09
